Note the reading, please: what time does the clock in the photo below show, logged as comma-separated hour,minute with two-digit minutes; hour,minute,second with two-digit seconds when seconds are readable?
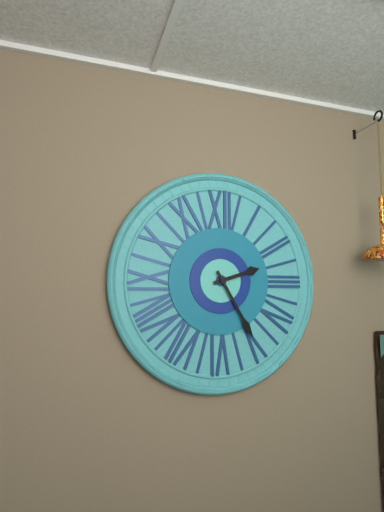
2,25
